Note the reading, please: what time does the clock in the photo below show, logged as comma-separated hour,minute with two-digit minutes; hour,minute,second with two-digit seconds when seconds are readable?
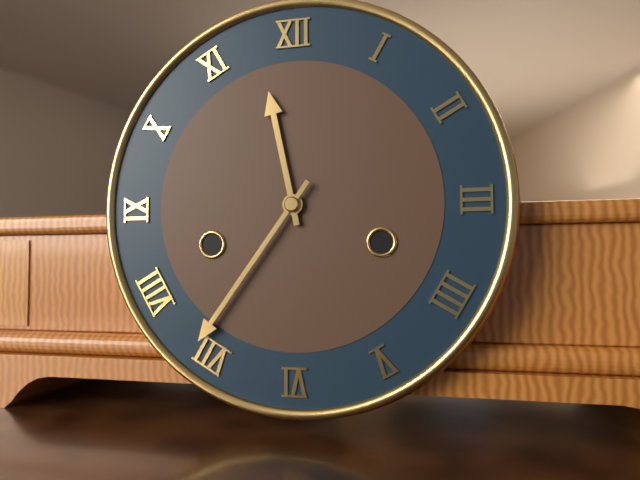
11,36
